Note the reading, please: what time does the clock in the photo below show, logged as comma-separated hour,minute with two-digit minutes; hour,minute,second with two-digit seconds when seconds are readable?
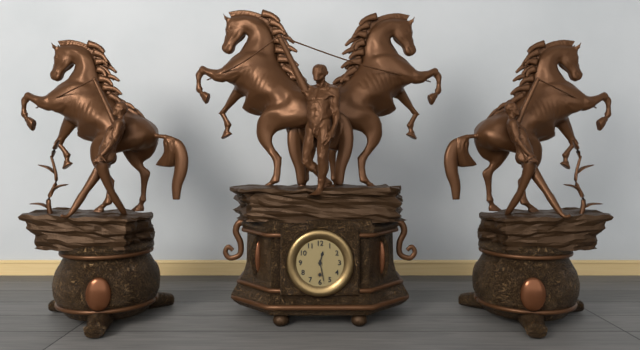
12,28
